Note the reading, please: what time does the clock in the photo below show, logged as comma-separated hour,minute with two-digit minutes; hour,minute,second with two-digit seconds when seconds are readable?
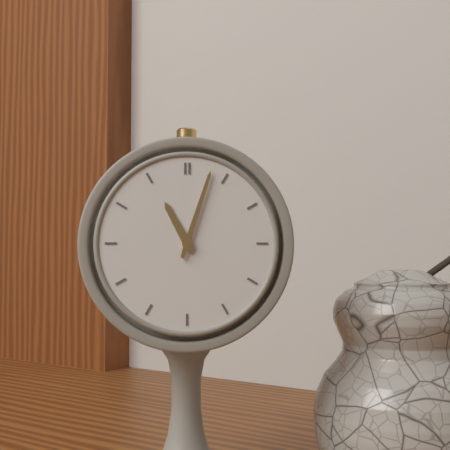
11,03
